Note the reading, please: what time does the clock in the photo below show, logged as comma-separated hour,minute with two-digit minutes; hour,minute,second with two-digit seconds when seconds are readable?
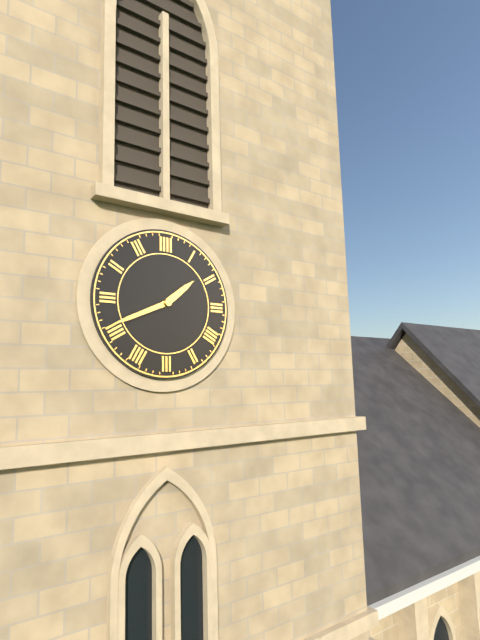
1,41
